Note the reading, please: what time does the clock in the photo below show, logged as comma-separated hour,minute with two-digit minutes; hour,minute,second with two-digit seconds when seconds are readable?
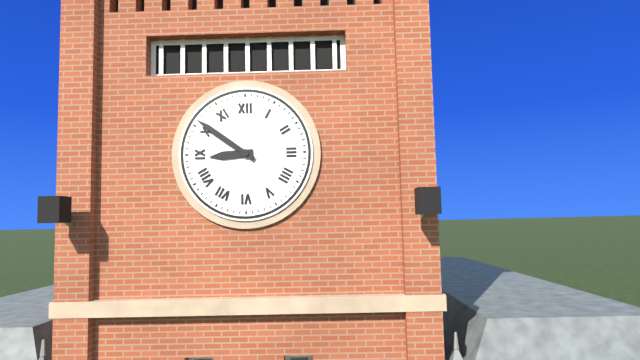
8,51
